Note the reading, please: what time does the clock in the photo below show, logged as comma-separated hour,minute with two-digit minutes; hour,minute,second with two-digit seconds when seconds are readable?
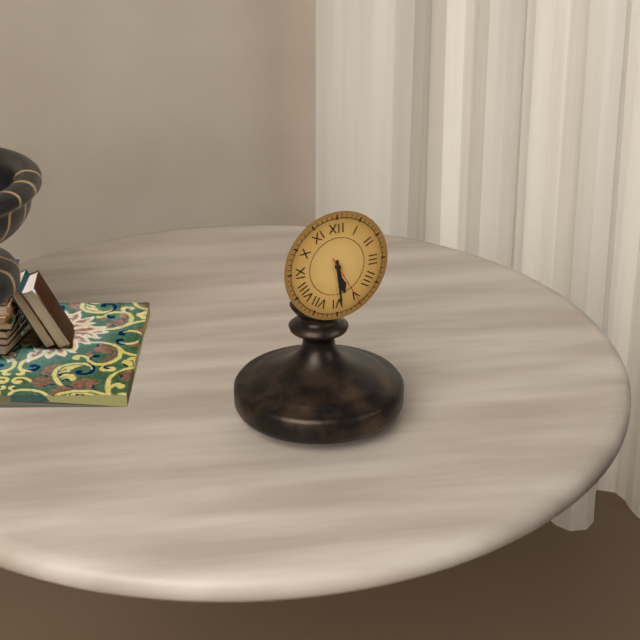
5,29,25
